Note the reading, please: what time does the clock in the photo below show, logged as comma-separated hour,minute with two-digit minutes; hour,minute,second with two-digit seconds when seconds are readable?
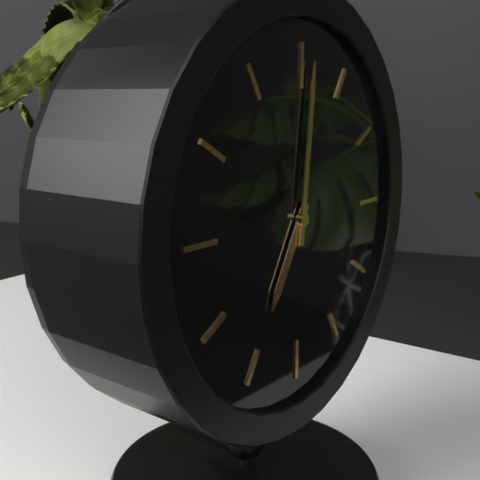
7,01
